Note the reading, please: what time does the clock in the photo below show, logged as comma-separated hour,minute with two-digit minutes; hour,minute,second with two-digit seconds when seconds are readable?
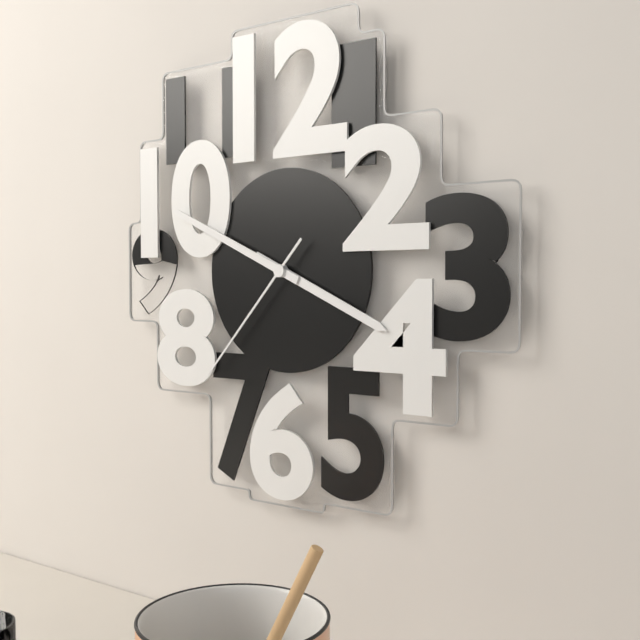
3,49,37
